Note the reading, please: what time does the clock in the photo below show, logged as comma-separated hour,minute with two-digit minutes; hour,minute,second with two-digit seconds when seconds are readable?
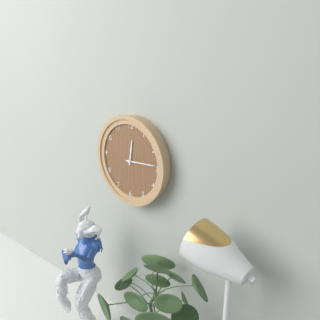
12,14
